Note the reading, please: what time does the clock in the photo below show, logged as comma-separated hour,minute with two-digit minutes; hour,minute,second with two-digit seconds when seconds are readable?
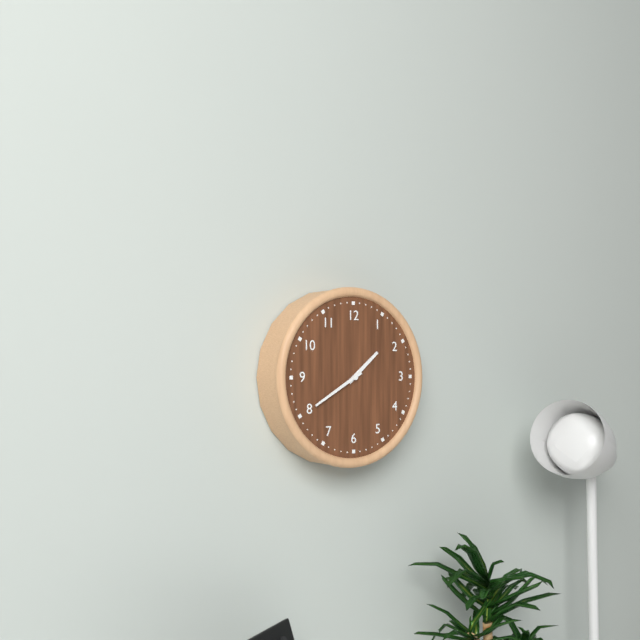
1,40
